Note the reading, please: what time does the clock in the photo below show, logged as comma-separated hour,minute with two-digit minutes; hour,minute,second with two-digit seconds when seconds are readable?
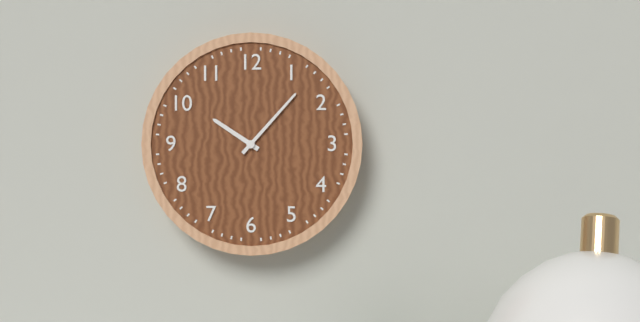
10,07
